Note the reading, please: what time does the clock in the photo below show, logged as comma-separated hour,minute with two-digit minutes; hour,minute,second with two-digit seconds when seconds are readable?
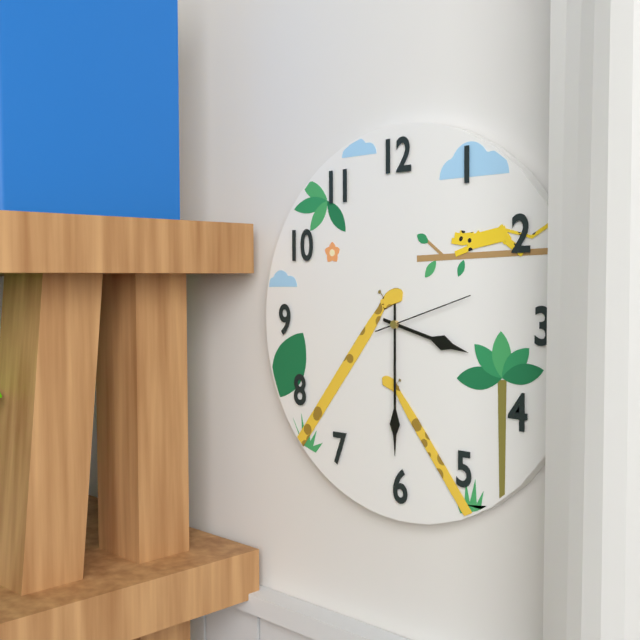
3,30,12
